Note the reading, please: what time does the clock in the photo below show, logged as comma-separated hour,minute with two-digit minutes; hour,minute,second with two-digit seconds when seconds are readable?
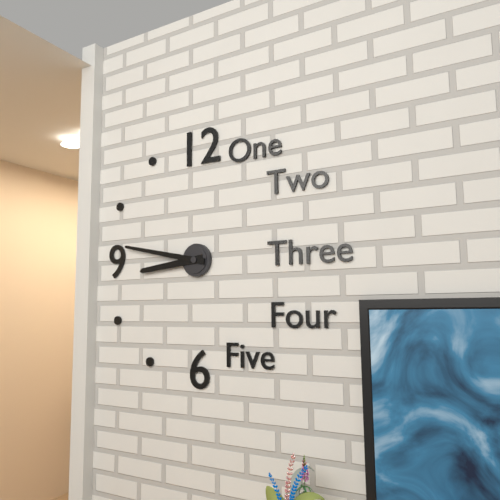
8,47
